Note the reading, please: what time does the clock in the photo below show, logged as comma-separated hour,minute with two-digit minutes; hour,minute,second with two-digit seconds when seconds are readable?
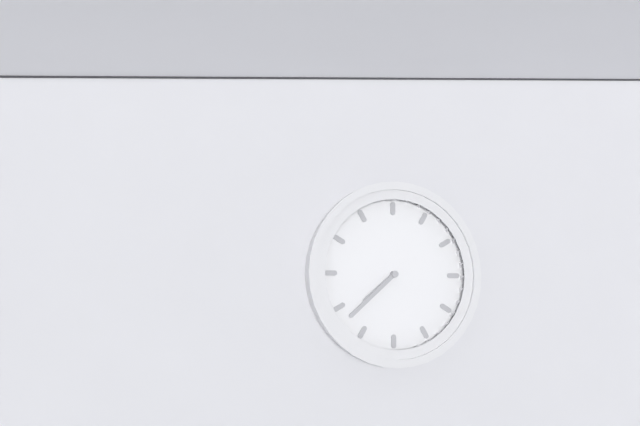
7,38
